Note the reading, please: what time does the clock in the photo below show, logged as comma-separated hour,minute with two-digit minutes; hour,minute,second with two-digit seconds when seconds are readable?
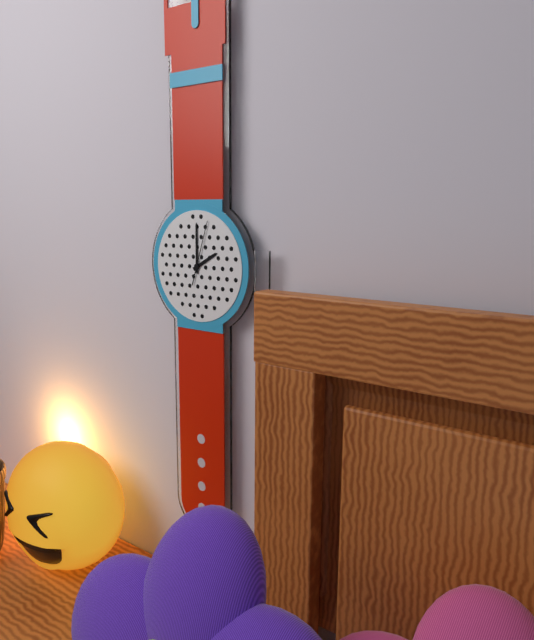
2,00,03
